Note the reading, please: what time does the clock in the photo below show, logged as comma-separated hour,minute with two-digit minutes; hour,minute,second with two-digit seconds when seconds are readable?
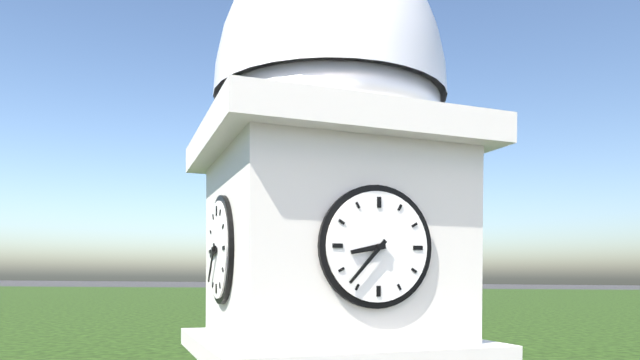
8,37
